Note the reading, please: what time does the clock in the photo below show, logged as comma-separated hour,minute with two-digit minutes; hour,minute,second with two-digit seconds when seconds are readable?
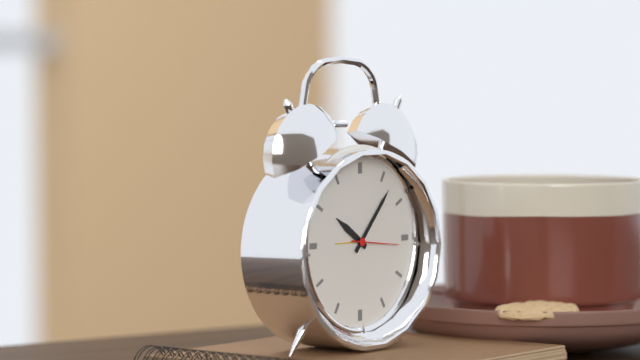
10,07
